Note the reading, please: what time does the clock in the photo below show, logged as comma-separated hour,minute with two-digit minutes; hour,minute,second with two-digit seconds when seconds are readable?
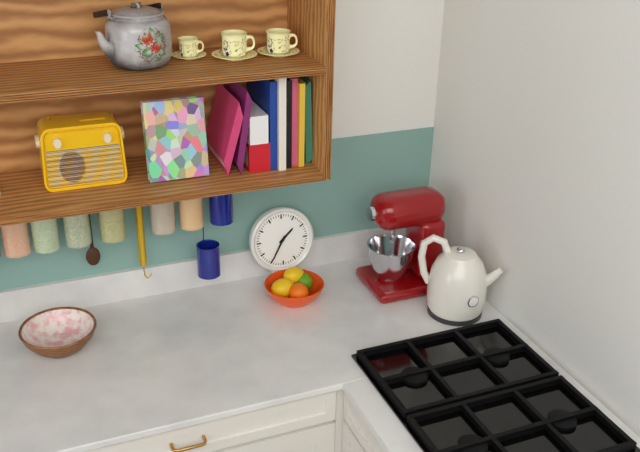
1,35
